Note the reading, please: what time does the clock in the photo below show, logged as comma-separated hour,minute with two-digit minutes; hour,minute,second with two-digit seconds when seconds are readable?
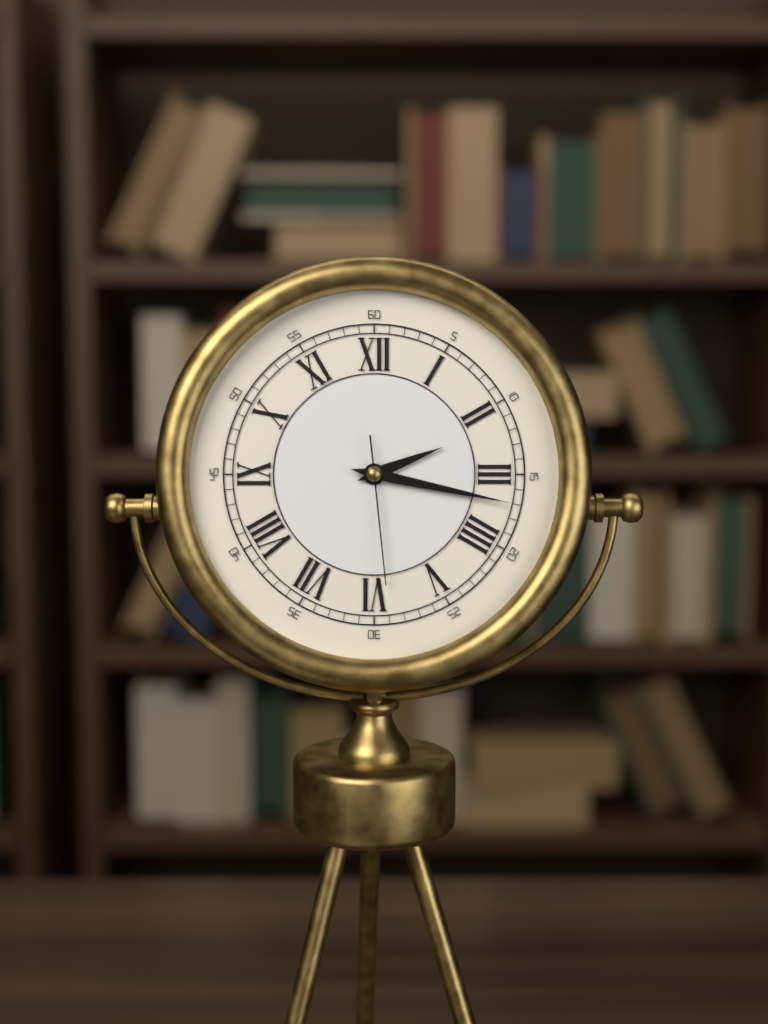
2,17,29
